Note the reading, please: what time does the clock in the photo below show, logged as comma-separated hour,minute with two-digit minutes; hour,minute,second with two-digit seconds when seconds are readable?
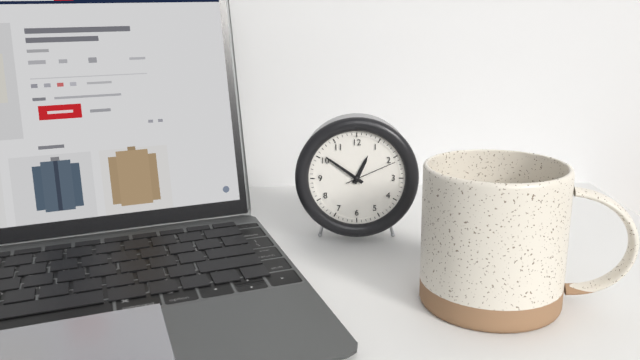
12,51,11
